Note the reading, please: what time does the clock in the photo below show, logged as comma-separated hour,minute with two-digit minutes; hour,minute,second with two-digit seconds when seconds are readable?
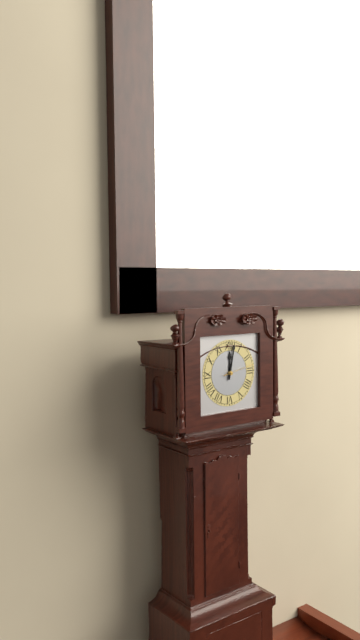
12,02
